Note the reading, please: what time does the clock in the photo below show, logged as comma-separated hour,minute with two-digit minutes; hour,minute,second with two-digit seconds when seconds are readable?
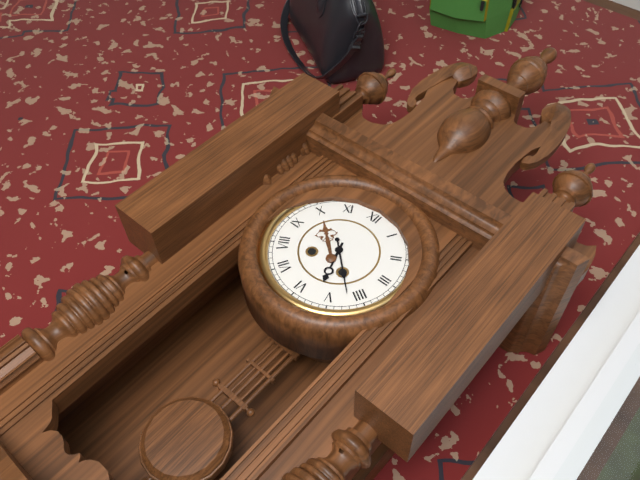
5,22
